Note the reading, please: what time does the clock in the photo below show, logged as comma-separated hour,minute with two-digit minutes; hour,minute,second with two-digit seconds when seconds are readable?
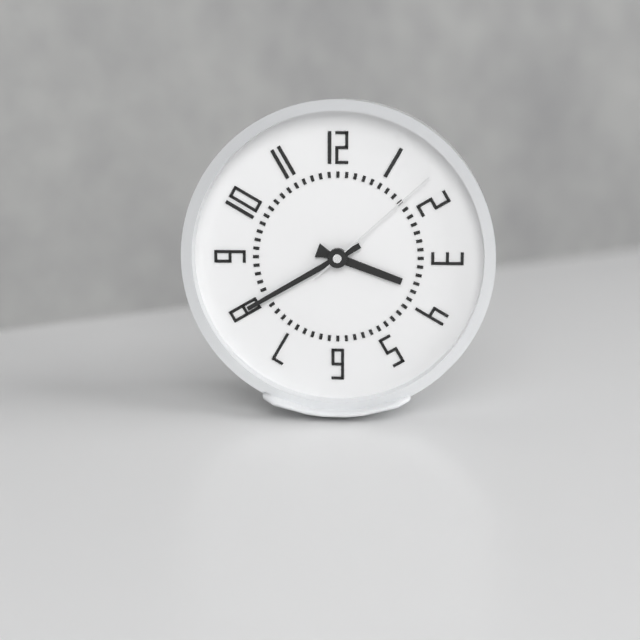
3,40,08
